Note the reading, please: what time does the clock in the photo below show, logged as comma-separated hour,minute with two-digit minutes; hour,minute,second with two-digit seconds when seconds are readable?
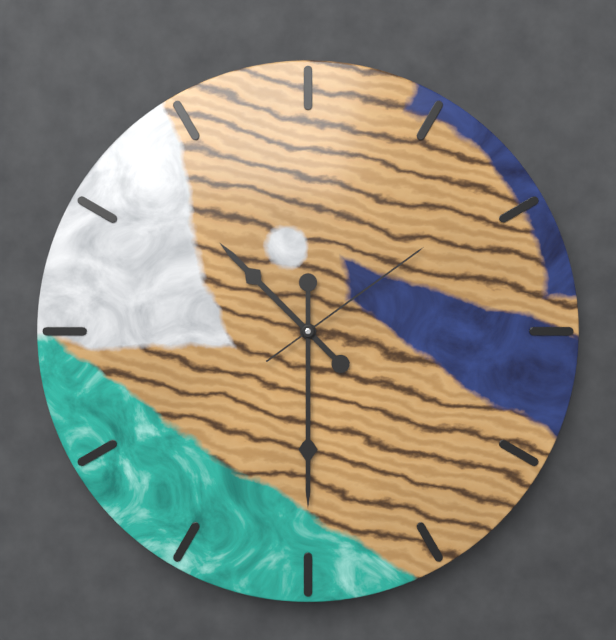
10,30,09
